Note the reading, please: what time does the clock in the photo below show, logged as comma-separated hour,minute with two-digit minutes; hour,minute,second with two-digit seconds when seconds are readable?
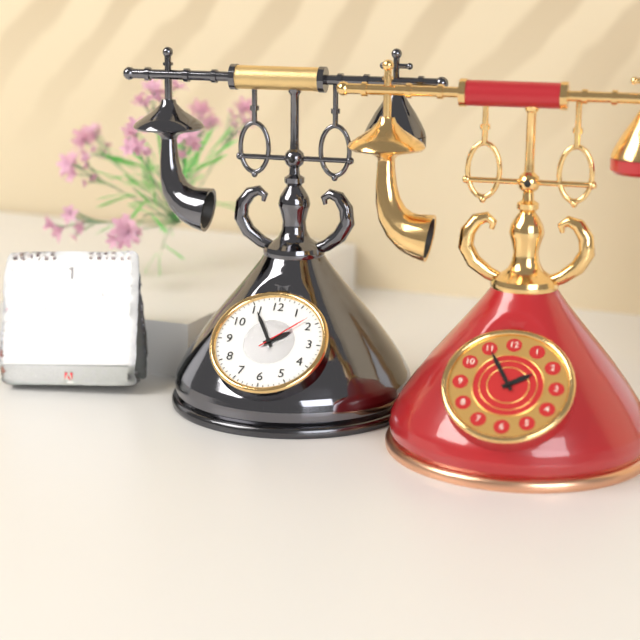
1,55,08
